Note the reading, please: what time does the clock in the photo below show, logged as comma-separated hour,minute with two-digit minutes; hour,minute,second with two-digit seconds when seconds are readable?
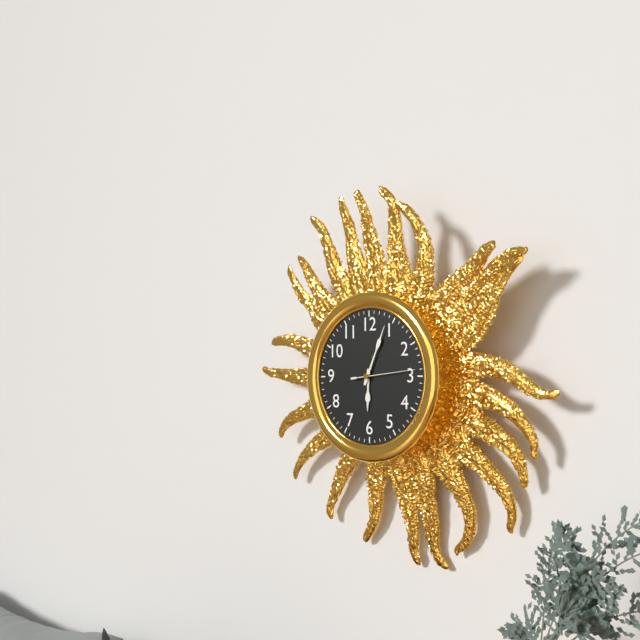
6,04,14
